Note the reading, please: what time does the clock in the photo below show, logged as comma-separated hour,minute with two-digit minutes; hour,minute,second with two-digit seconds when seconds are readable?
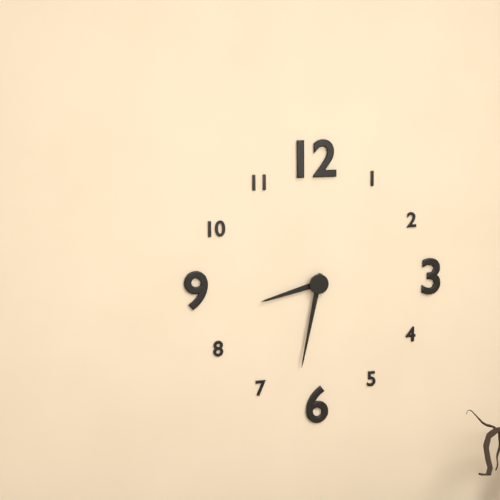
8,32
